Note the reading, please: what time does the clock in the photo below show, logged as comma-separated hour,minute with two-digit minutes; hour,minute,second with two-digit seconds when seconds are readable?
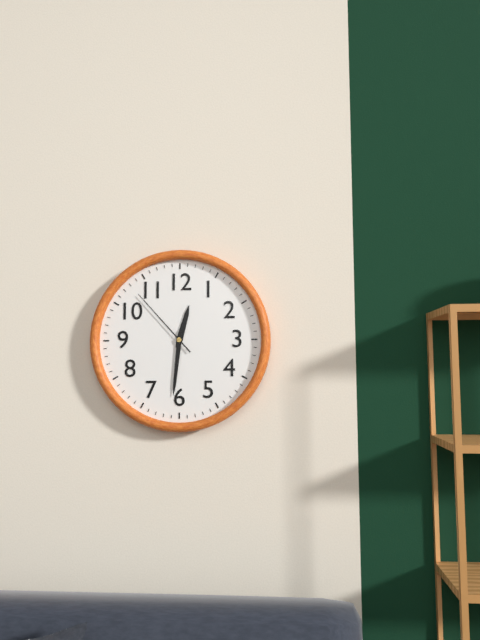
12,31,53
